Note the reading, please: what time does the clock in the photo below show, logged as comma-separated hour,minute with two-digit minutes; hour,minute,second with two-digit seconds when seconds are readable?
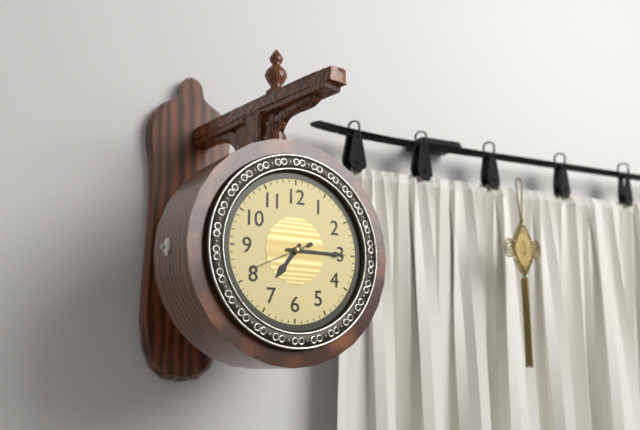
7,15,41
